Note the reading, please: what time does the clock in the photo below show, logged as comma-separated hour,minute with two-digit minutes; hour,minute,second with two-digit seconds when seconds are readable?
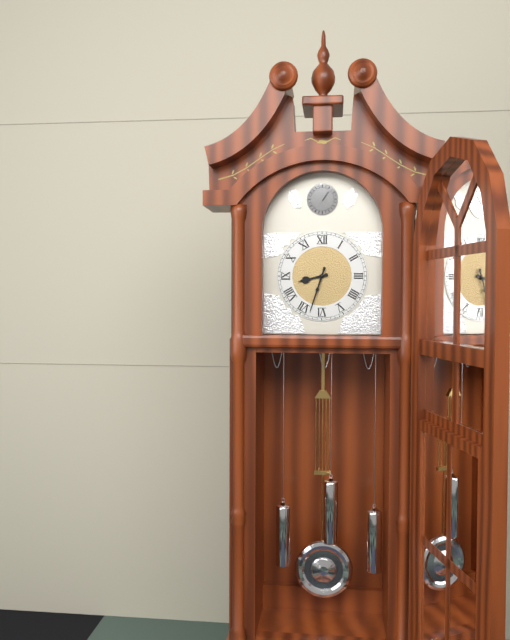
8,33
